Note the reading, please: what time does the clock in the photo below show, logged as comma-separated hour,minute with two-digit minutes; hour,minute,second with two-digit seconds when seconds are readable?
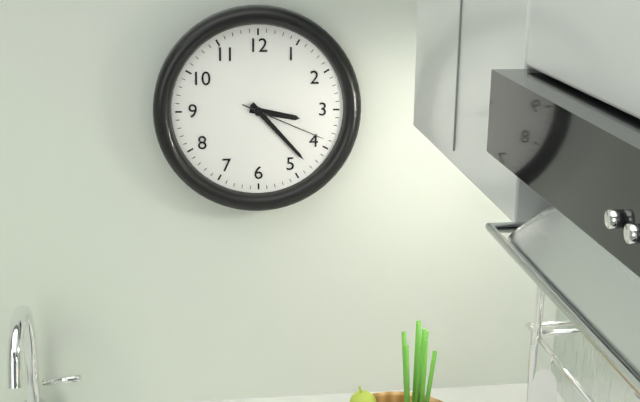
3,23,19
